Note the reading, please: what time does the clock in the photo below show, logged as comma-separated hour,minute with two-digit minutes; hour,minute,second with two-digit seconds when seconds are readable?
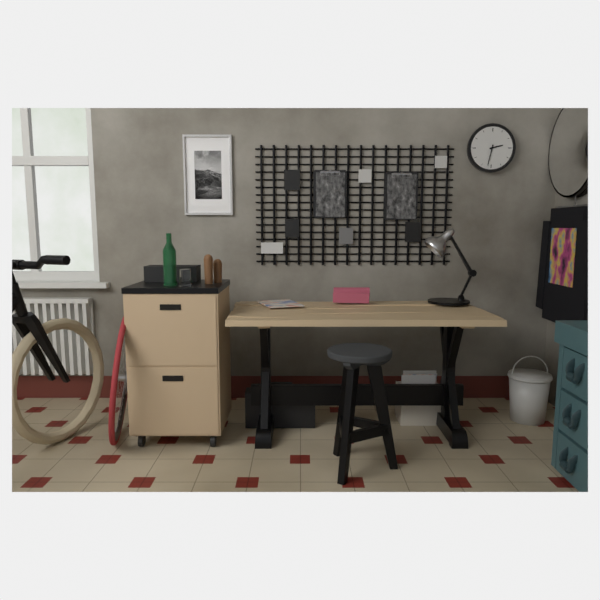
2,32
